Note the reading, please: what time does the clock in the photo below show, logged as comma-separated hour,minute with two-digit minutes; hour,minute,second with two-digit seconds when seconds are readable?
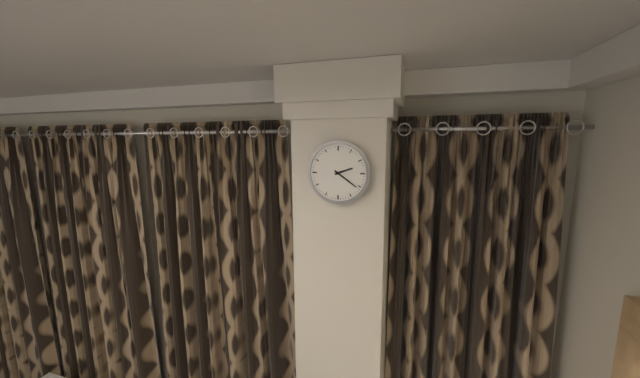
2,21
